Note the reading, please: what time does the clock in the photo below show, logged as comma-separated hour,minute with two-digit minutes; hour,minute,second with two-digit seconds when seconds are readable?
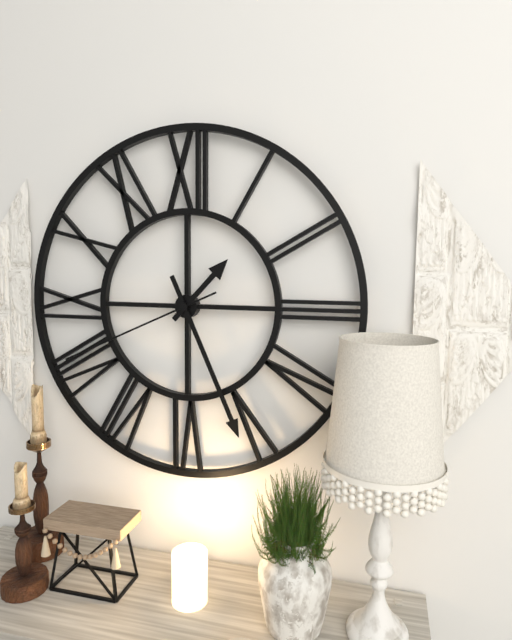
1,26,41
